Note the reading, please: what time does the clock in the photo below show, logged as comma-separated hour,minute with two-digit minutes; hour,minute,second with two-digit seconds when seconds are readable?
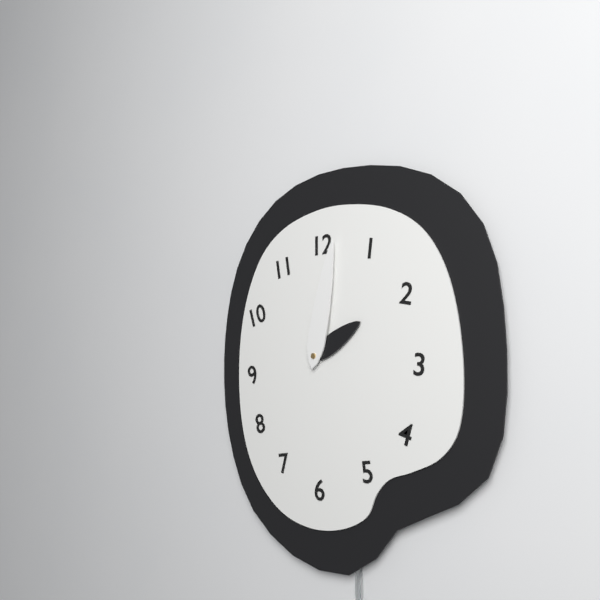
2,02
